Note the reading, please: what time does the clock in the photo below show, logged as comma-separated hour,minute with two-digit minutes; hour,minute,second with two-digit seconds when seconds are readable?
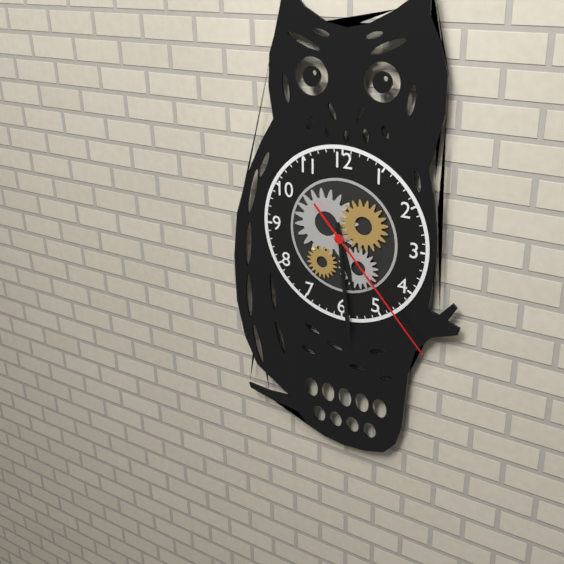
5,29,23
